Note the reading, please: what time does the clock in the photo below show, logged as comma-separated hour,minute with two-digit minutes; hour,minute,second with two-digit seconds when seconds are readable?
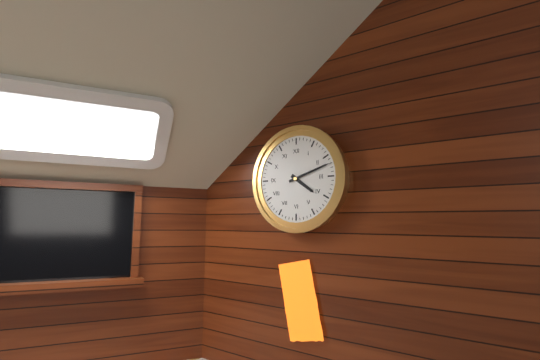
4,12
